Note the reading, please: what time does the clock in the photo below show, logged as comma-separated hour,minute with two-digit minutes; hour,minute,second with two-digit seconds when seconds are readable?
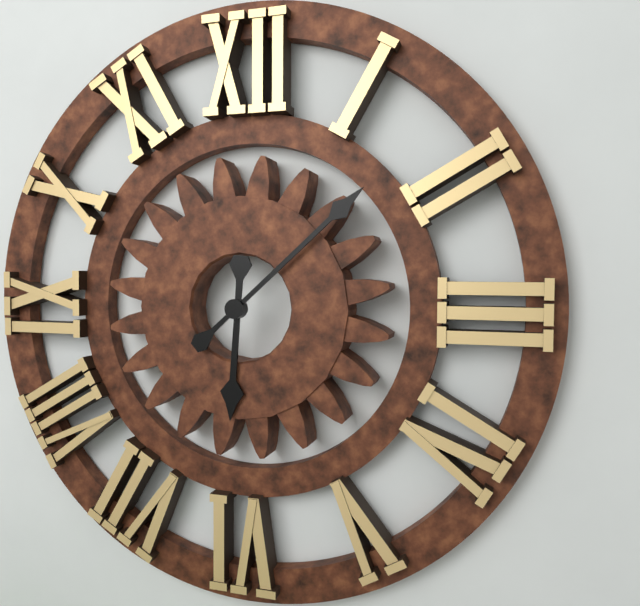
6,08
